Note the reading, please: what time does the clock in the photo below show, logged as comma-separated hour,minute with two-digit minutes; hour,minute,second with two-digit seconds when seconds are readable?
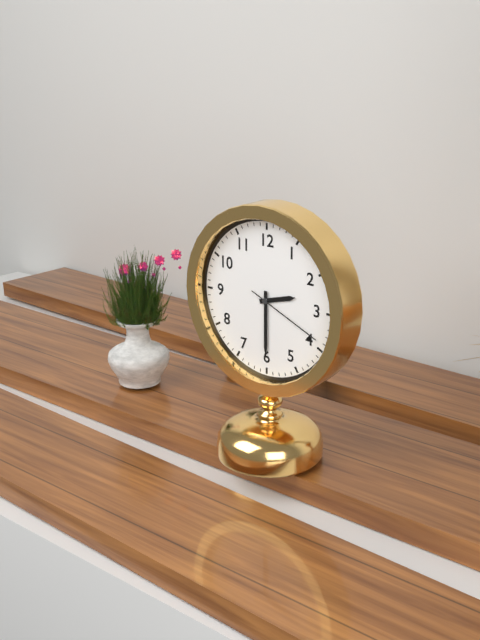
2,30,19
